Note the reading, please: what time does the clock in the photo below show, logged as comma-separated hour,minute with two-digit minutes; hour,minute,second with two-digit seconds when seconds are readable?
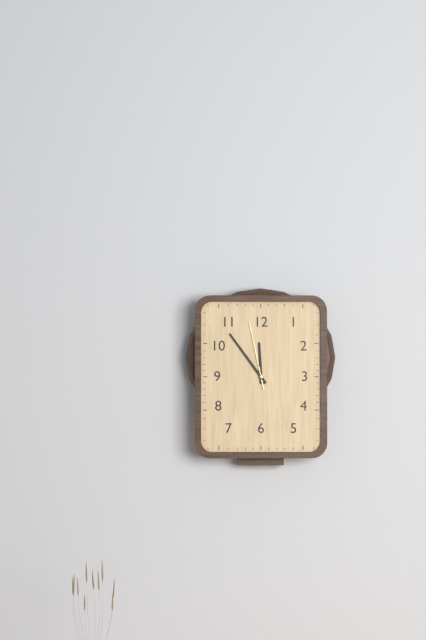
11,54,58
